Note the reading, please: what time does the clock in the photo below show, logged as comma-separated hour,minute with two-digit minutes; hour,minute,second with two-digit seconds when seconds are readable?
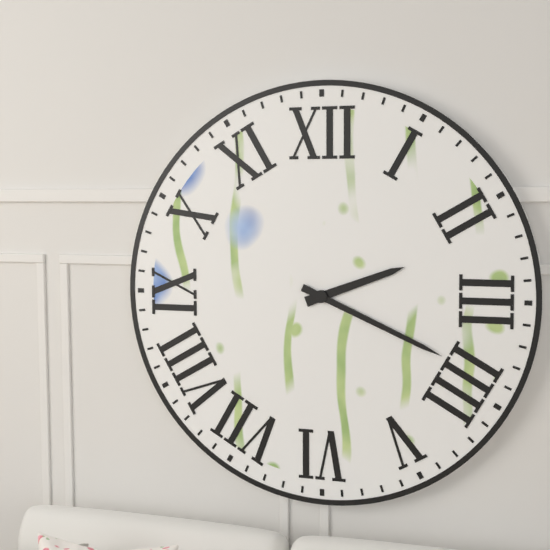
2,19
